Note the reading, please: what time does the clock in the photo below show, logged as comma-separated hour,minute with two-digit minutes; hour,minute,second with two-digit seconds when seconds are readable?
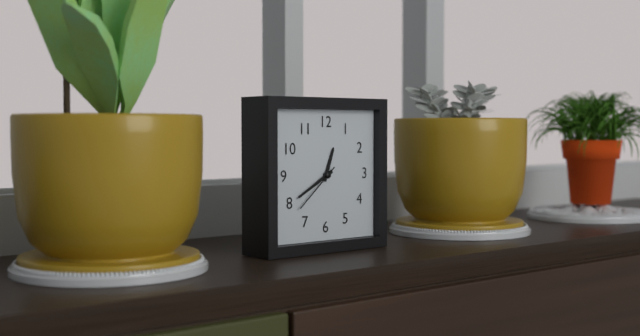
12,40,38
